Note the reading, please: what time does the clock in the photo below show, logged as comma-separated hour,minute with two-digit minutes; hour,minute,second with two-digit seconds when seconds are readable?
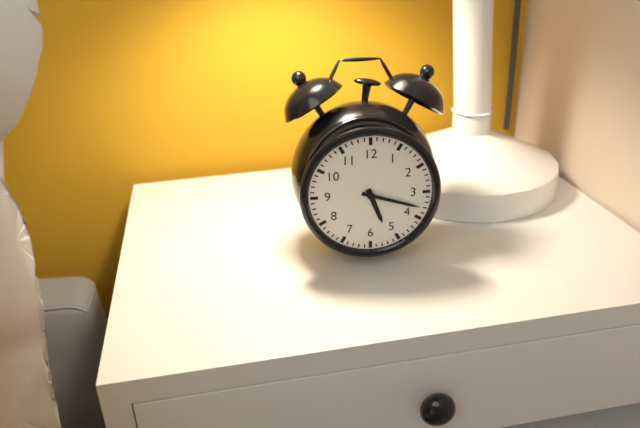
5,18
